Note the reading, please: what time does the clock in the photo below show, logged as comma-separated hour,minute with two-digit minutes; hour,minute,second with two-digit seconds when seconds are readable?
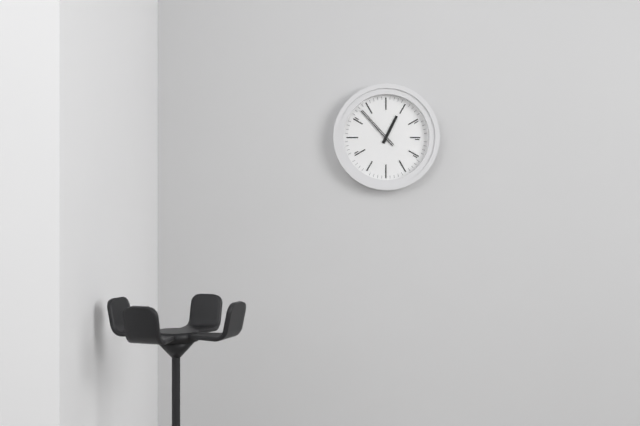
12,53
